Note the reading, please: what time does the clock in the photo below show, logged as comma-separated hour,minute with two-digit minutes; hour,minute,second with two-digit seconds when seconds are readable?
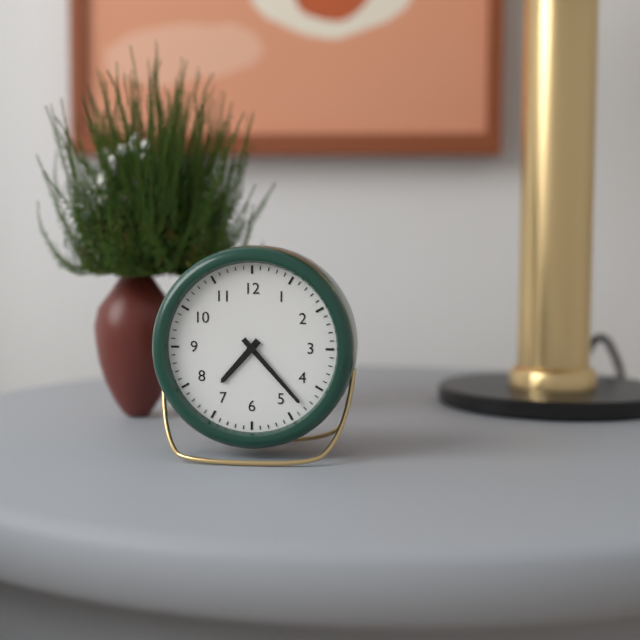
7,23
